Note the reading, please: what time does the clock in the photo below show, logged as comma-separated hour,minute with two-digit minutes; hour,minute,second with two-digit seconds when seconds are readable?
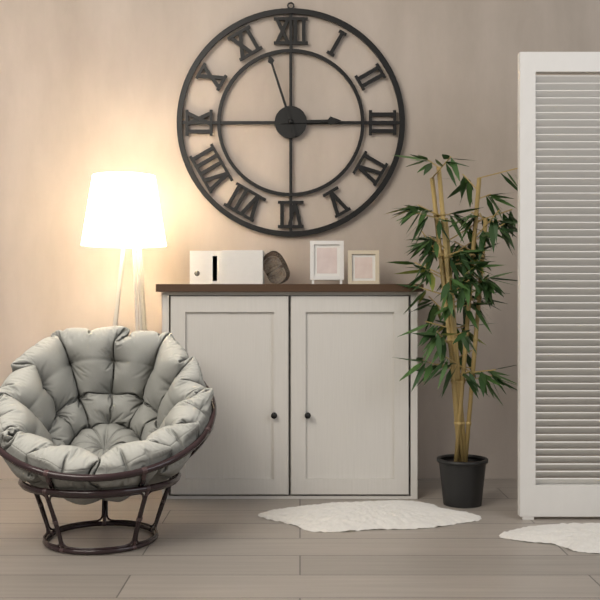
2,57
